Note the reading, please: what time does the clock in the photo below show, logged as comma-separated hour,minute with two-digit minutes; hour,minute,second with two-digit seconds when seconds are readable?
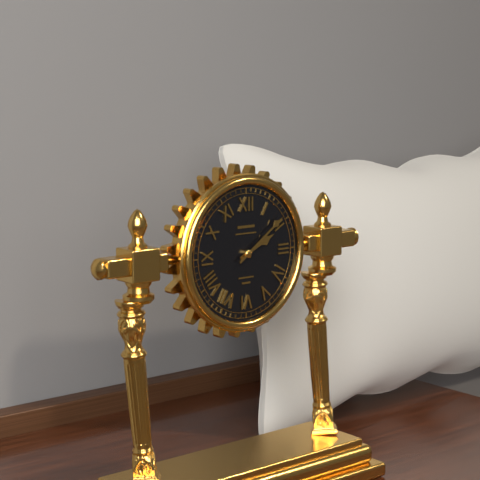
2,09
